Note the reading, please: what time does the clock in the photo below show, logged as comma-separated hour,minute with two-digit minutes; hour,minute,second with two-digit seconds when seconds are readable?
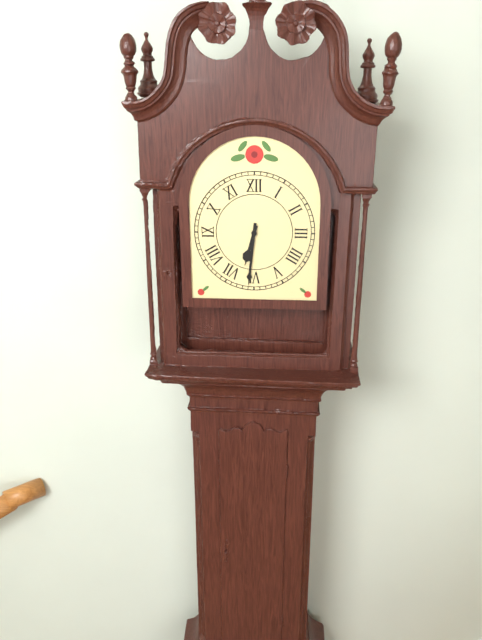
6,31
